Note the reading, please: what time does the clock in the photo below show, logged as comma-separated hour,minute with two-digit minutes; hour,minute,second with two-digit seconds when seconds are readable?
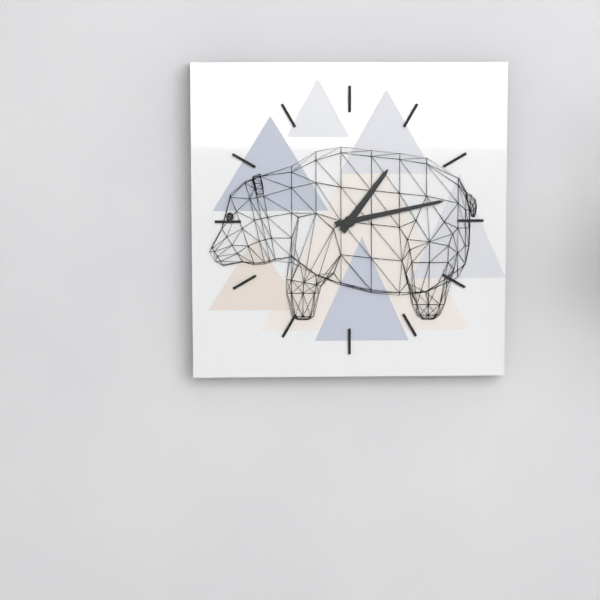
1,13
